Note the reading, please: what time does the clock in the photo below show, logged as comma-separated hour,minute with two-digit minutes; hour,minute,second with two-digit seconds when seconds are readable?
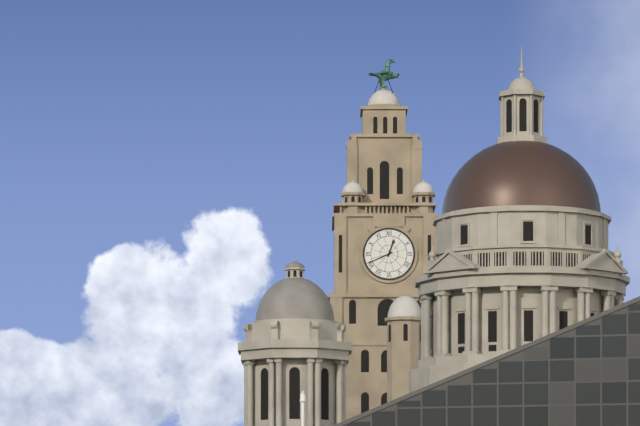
12,41
